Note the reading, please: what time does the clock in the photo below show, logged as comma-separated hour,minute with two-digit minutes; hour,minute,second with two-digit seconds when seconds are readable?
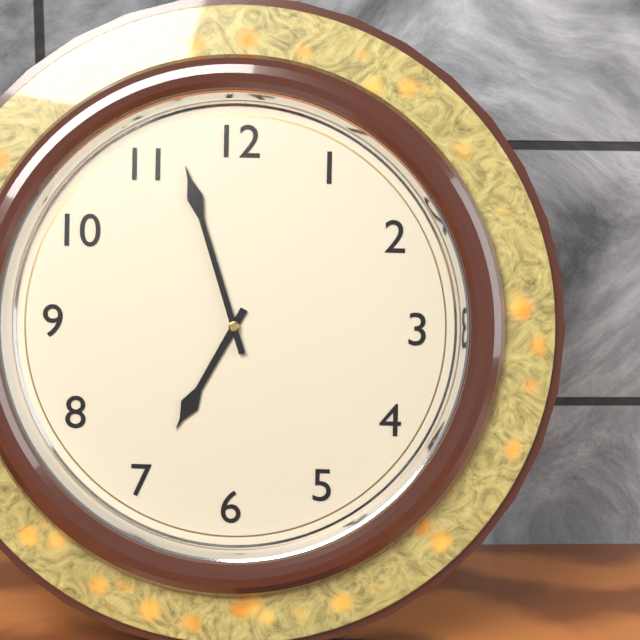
6,57
